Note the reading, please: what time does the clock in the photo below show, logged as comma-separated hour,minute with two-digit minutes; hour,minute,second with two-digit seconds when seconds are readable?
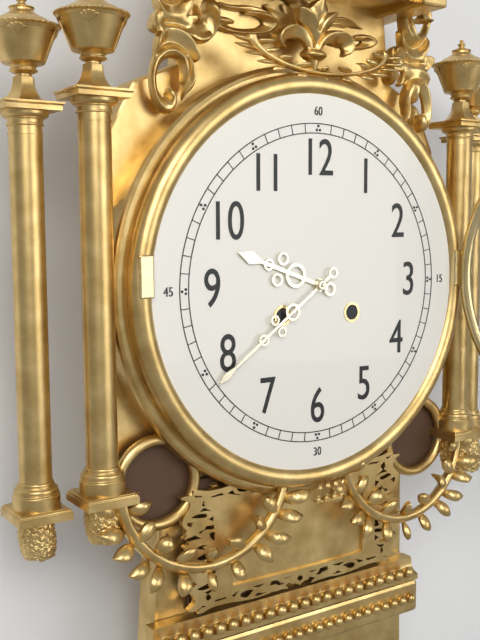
9,39
